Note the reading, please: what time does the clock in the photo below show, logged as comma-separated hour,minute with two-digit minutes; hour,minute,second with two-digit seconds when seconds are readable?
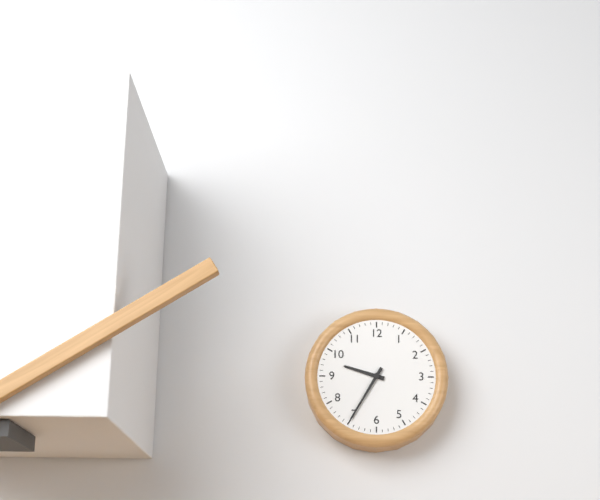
9,35
